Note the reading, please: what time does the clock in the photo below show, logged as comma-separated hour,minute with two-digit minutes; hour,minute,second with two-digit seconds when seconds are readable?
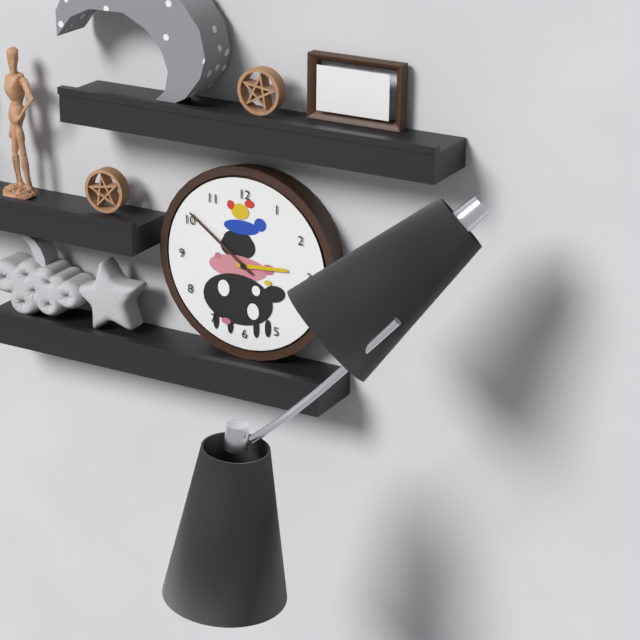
2,51
